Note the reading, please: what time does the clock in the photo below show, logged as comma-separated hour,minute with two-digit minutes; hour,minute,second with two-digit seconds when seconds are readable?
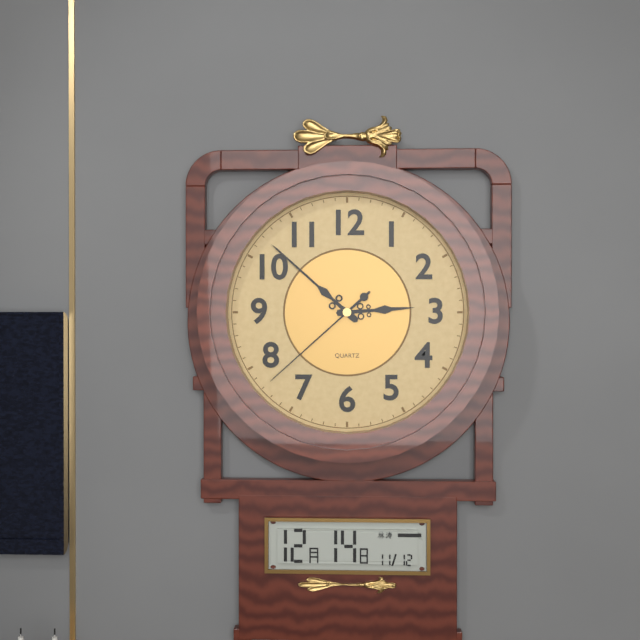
2,52,38
